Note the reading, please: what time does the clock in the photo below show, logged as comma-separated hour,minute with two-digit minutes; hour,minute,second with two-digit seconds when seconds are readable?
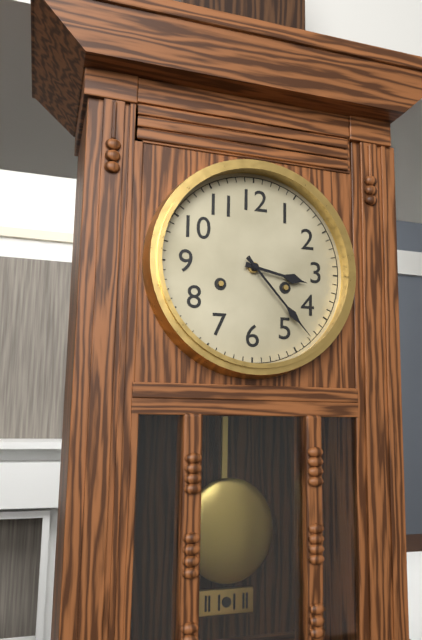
3,23
